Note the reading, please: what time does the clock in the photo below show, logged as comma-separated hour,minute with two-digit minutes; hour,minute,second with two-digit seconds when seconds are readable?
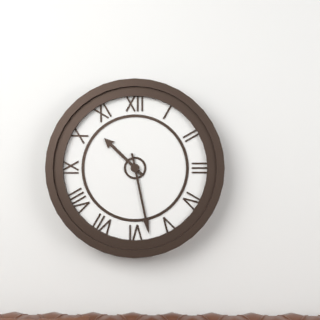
10,28
